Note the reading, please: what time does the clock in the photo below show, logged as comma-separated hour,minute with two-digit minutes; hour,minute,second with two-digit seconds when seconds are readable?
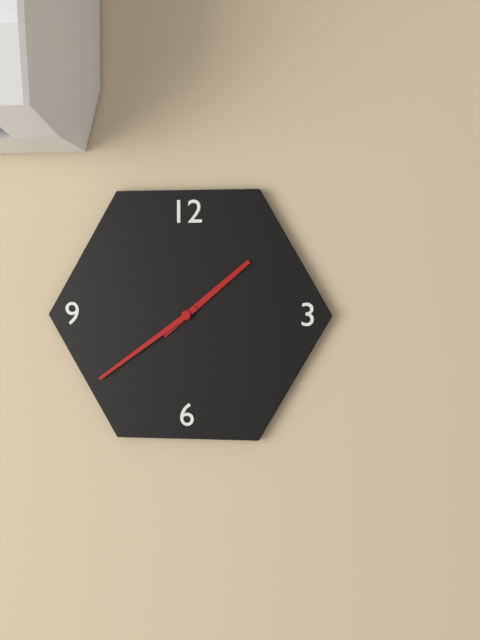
1,39
